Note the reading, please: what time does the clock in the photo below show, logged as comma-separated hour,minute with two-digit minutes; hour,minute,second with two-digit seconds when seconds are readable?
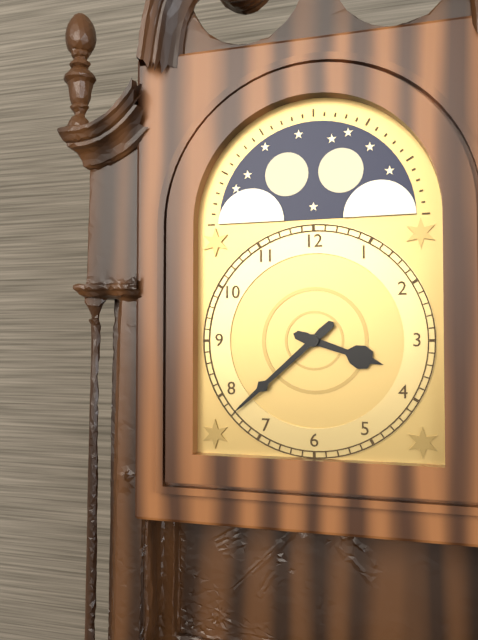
3,38
